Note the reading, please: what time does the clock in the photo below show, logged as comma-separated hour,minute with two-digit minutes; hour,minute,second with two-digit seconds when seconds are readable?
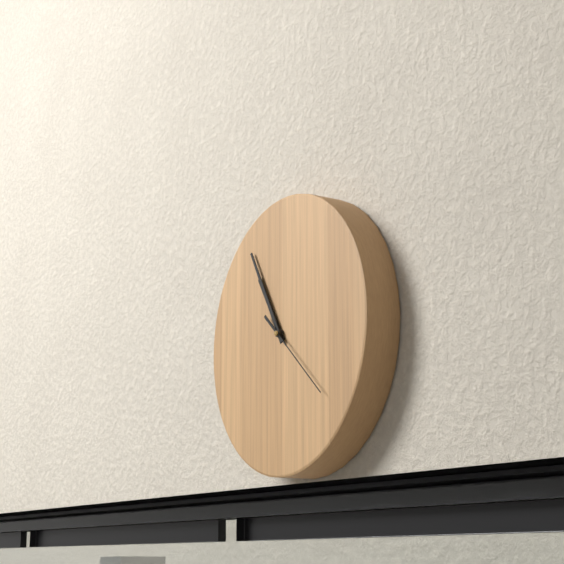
10,55,22
